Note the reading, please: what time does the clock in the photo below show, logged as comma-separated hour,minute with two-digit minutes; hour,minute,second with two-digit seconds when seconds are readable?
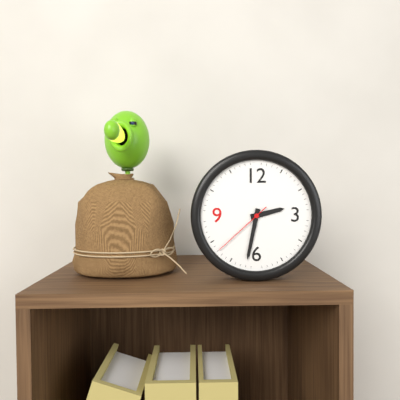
2,32,38
